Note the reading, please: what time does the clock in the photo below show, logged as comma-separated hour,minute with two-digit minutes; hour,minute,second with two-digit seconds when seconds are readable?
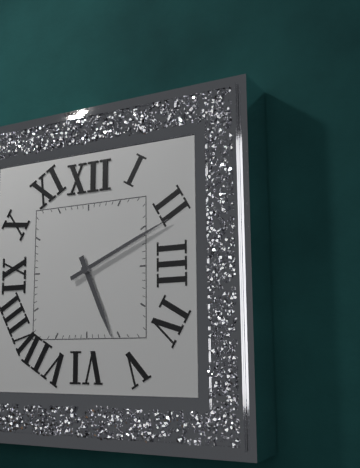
5,11
